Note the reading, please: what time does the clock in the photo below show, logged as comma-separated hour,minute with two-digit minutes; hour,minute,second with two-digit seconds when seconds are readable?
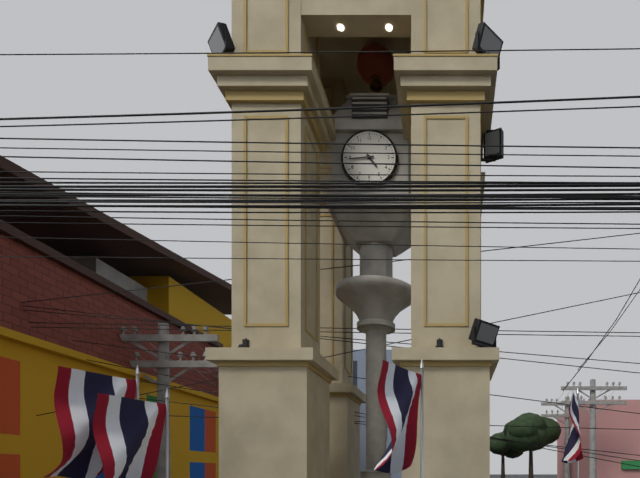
4,44
